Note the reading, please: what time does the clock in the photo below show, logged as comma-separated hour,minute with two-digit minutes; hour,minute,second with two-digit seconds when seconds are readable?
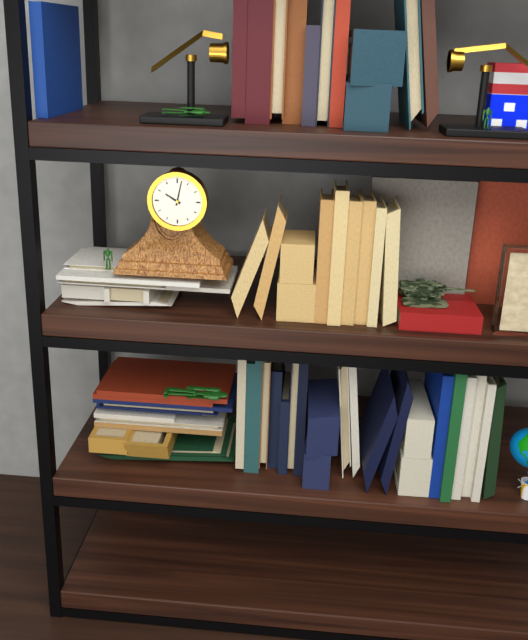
10,02
